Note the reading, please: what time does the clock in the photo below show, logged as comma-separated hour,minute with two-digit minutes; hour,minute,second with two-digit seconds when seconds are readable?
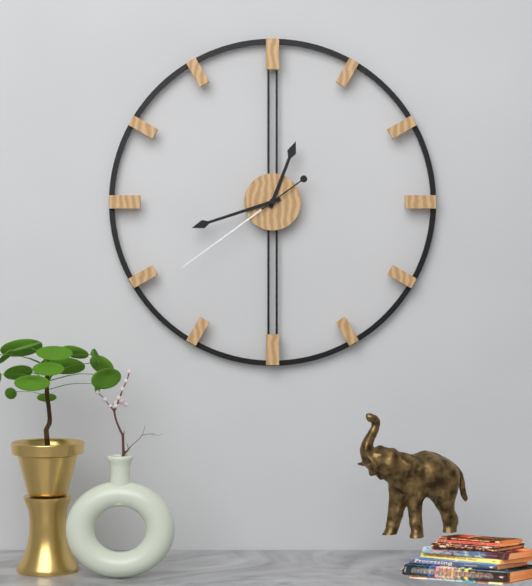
12,42,39
